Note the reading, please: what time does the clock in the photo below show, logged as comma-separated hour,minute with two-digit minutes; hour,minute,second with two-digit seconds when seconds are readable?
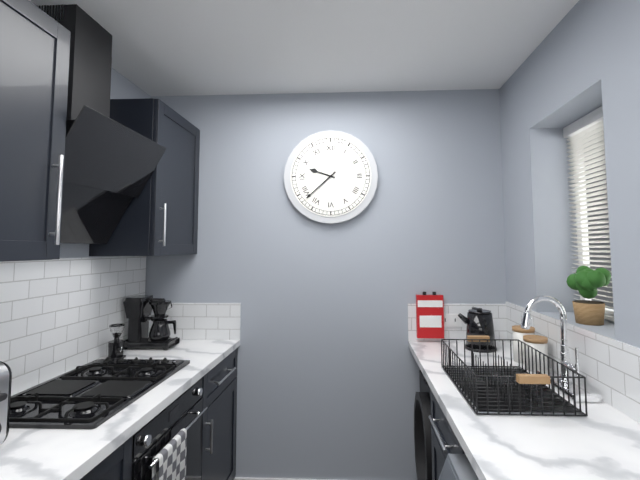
9,38
